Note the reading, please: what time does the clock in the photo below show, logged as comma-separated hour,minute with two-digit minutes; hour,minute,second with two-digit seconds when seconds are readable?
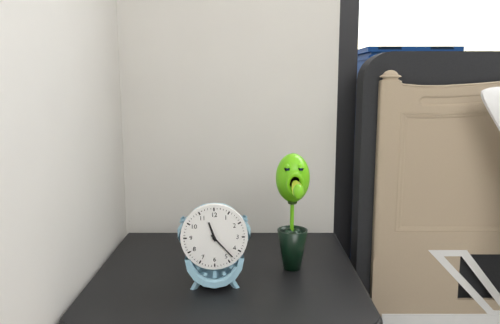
11,23
